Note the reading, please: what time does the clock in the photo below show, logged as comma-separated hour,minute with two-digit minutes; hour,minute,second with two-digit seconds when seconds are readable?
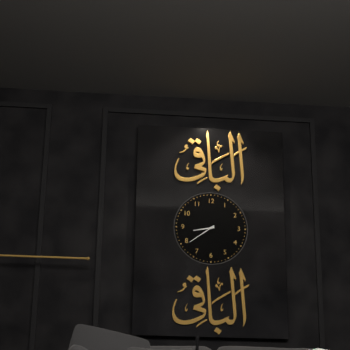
8,39
